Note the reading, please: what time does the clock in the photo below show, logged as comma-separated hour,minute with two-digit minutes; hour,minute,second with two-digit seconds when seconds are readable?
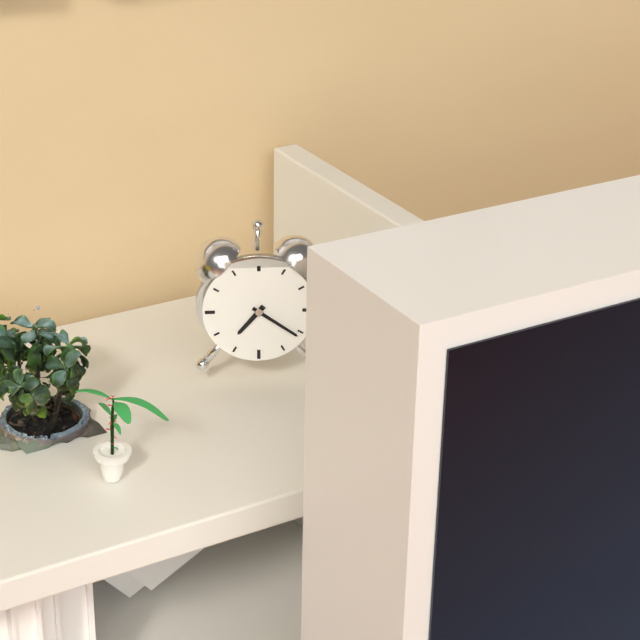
7,21
